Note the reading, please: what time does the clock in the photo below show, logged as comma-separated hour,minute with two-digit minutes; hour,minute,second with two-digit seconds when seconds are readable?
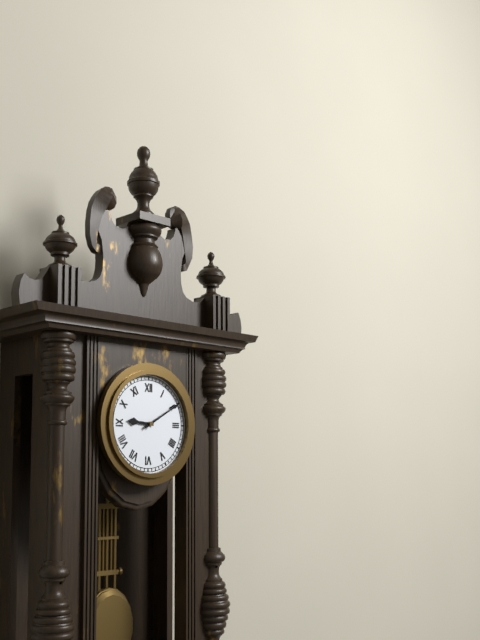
9,10
